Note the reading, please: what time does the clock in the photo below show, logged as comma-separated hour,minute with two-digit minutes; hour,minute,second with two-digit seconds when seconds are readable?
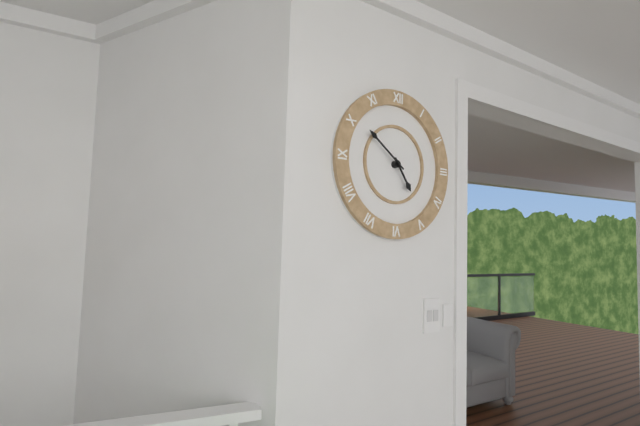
4,51
